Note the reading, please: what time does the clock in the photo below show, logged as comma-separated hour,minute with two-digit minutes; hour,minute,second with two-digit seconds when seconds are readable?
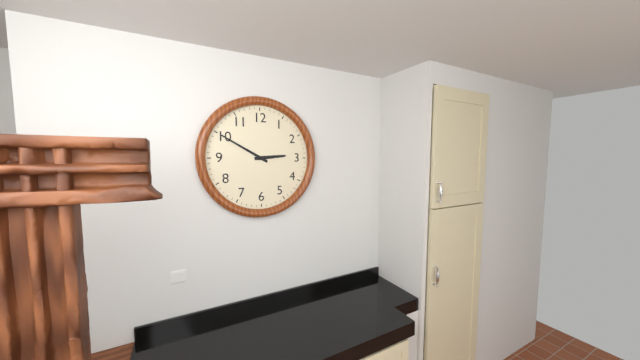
2,50
